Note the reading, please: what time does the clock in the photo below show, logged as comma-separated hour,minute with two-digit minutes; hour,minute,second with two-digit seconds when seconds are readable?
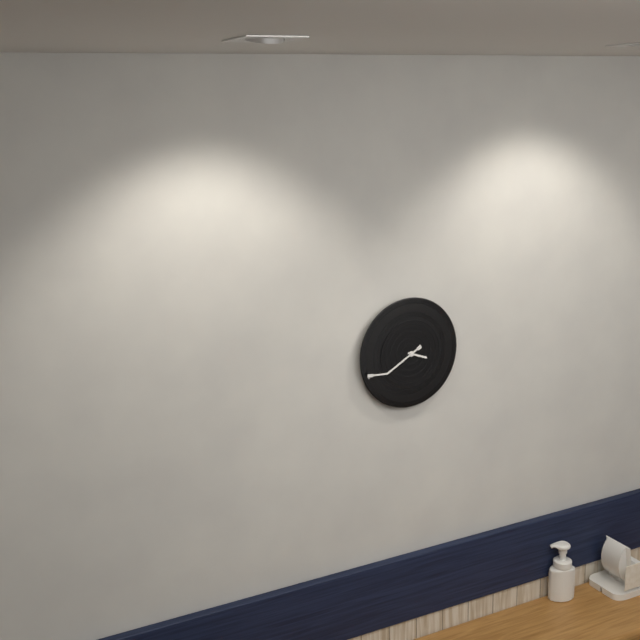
3,40
